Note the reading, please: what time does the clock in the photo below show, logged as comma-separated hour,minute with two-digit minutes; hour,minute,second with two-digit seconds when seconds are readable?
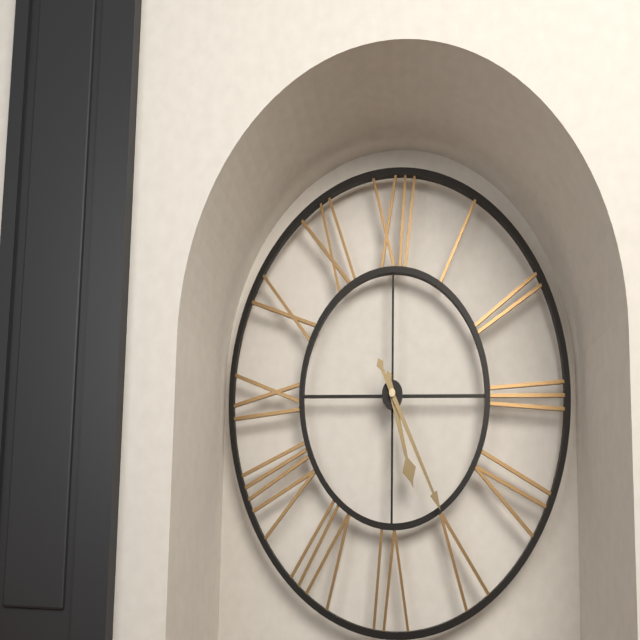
5,25
